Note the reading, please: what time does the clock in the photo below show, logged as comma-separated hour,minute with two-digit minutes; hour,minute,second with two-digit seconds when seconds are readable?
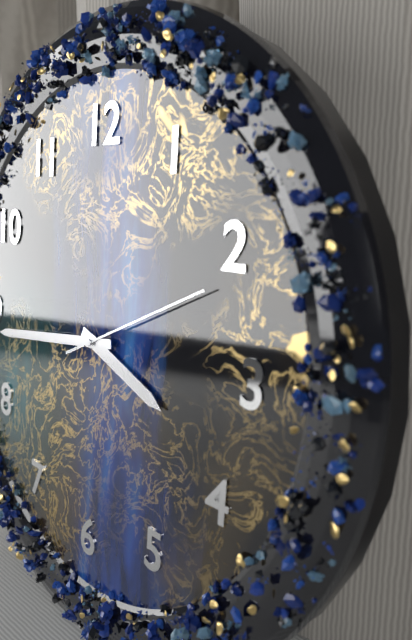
3,44,11
